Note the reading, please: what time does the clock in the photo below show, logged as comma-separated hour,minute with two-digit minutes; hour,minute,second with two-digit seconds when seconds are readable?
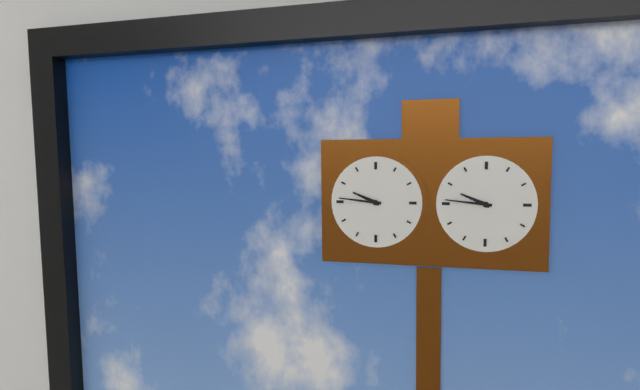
9,46
